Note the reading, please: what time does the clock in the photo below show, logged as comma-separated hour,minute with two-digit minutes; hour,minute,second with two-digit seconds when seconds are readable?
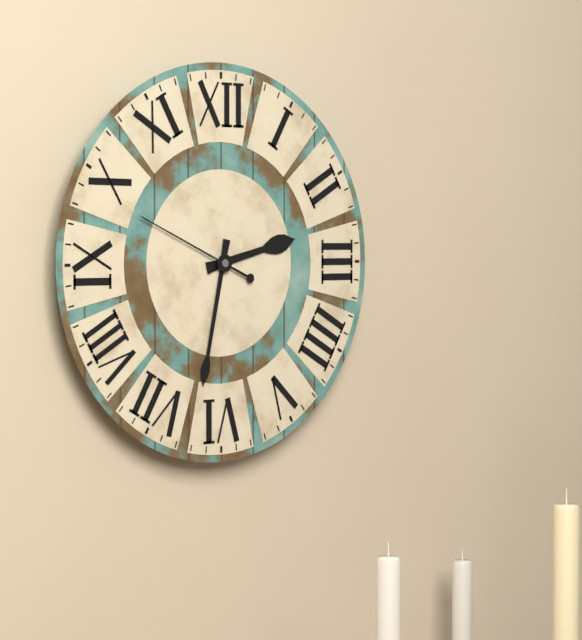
2,32,49
